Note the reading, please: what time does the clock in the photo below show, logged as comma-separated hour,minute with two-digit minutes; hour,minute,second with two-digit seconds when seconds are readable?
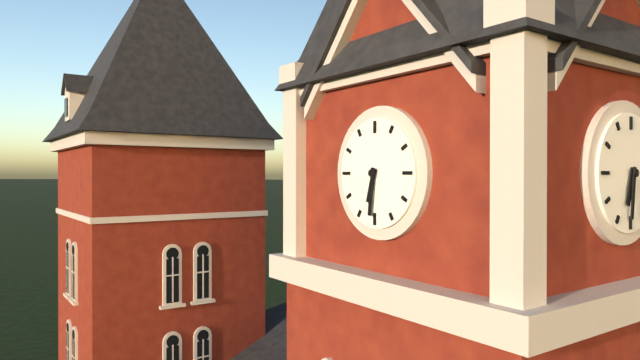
6,31
